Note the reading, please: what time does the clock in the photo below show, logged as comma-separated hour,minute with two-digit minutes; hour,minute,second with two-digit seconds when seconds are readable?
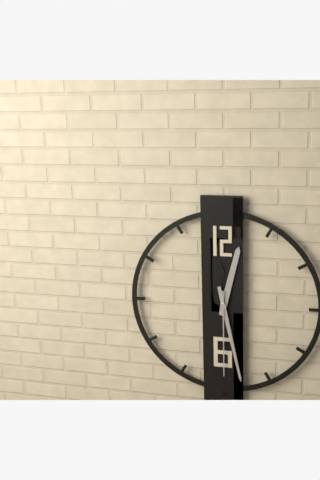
12,28,30
